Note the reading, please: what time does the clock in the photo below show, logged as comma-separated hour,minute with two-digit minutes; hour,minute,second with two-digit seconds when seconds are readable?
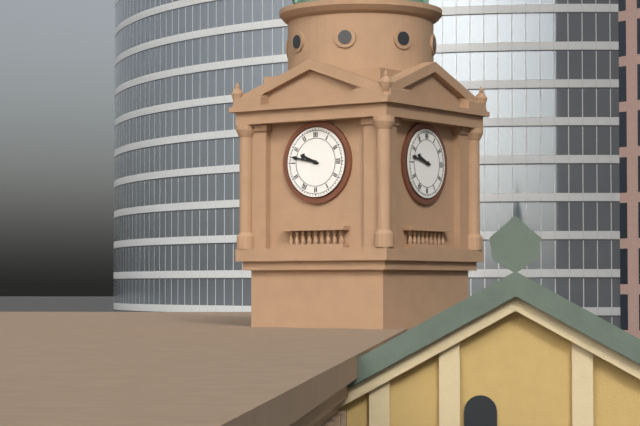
9,47
